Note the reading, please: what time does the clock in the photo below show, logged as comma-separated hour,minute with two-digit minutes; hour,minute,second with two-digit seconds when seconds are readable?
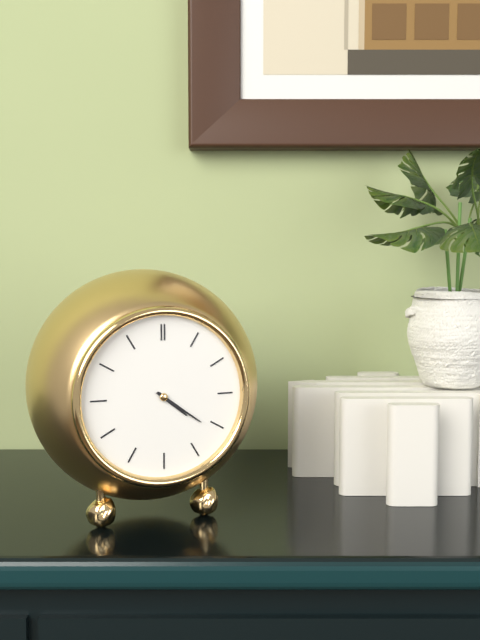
4,21
